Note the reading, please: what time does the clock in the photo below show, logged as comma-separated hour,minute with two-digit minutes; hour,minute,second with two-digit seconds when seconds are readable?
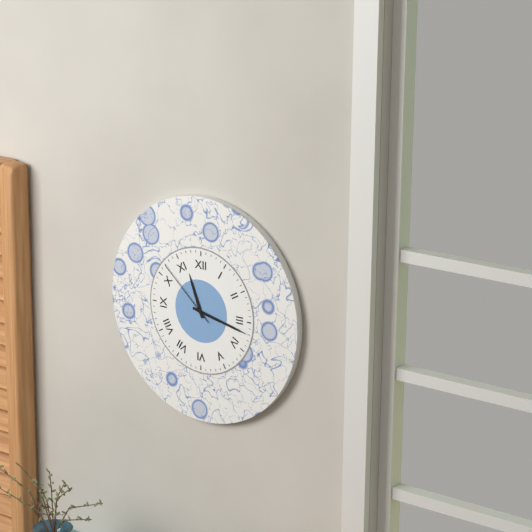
11,17,52
